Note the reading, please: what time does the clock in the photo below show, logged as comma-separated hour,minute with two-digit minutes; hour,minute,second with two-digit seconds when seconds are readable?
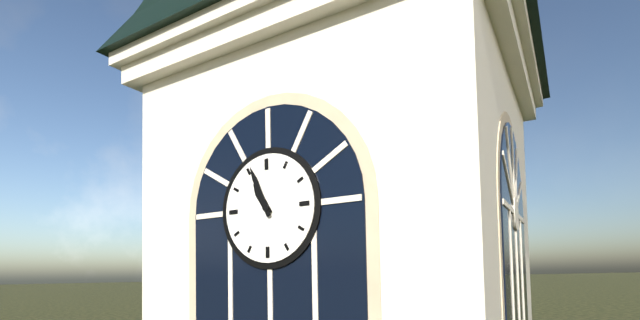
10,56
